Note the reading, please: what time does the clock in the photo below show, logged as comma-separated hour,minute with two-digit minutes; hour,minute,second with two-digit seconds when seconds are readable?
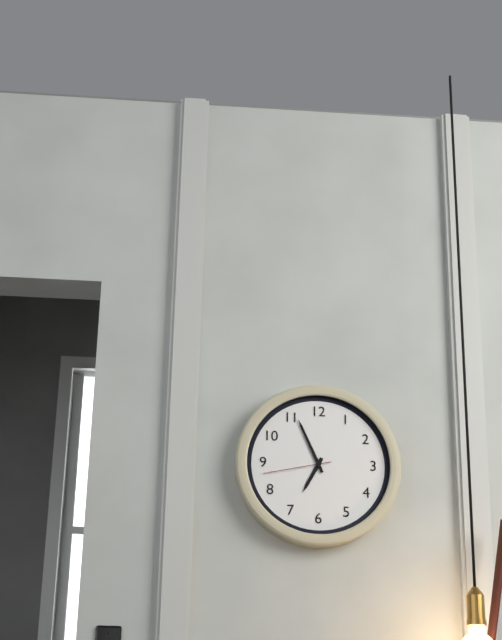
6,56,43
